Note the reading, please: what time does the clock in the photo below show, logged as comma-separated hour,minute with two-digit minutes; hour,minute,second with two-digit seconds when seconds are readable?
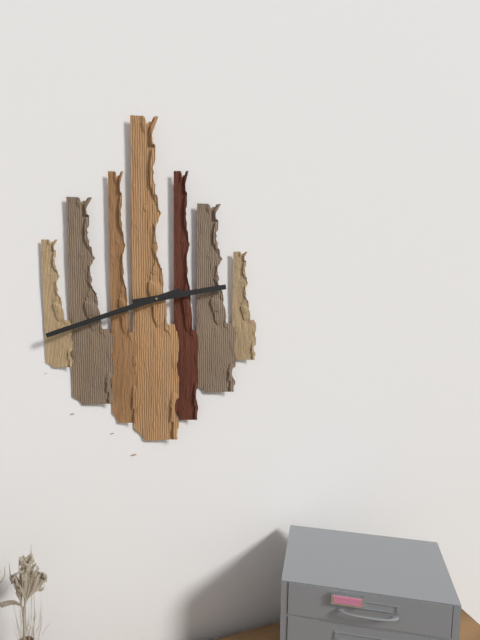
2,42
